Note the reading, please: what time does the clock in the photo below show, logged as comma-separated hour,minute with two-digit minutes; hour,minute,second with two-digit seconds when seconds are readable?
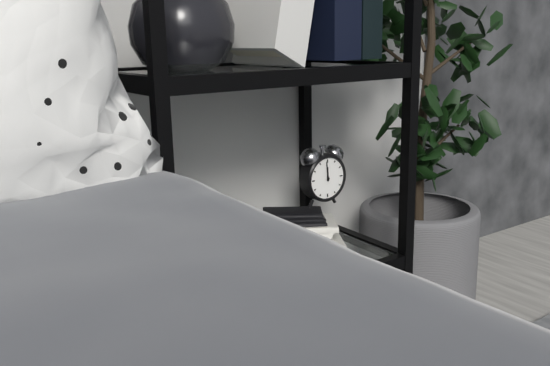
11,59
